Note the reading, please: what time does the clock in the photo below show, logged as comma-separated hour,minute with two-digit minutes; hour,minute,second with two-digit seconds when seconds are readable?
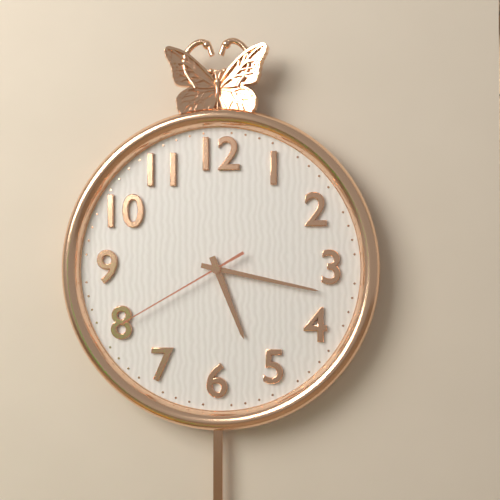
5,17,40
